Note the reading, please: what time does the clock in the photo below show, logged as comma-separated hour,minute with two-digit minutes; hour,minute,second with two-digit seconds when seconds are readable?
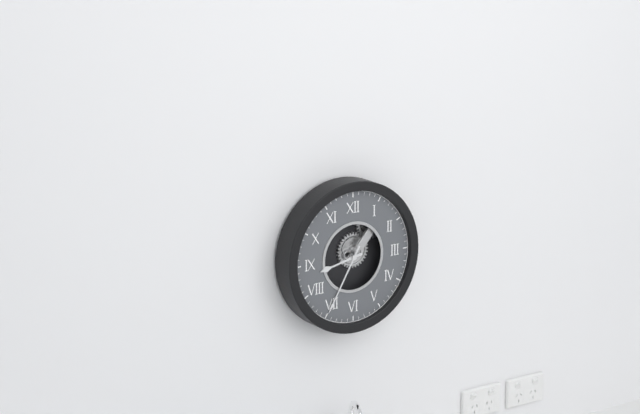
8,35
